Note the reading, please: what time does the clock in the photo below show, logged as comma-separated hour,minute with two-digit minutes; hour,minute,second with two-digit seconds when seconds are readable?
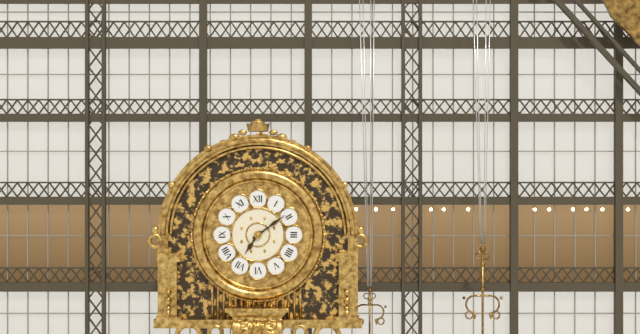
7,09
